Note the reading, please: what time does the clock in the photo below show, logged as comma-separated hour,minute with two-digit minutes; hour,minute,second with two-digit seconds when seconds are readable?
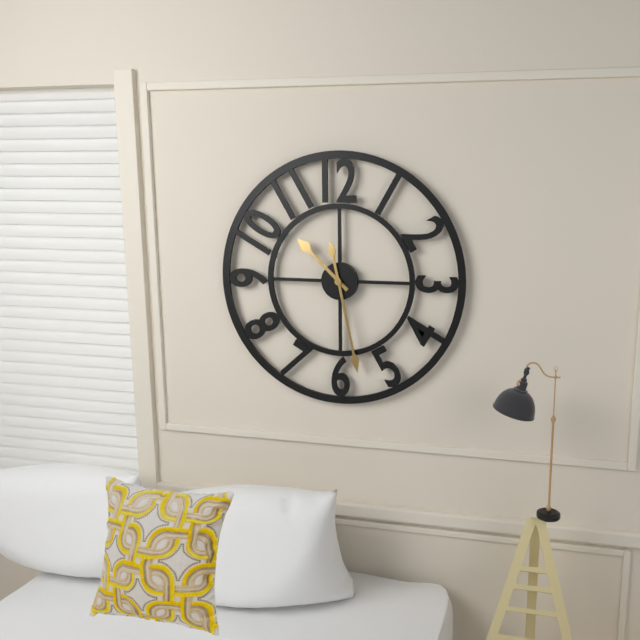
10,28
